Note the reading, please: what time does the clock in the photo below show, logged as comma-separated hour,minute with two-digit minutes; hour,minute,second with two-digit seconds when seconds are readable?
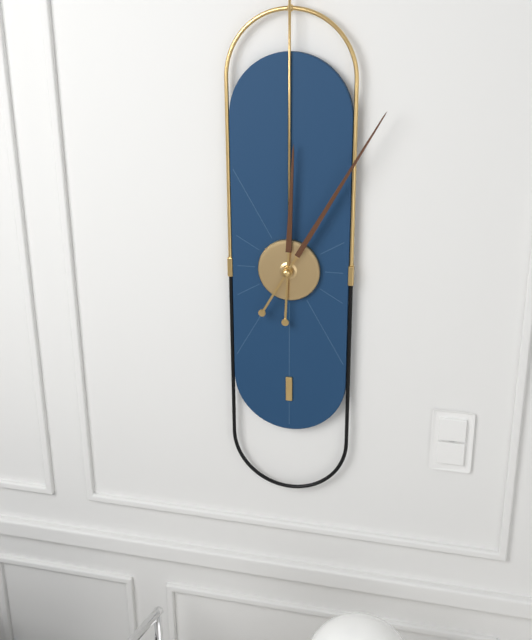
12,05
